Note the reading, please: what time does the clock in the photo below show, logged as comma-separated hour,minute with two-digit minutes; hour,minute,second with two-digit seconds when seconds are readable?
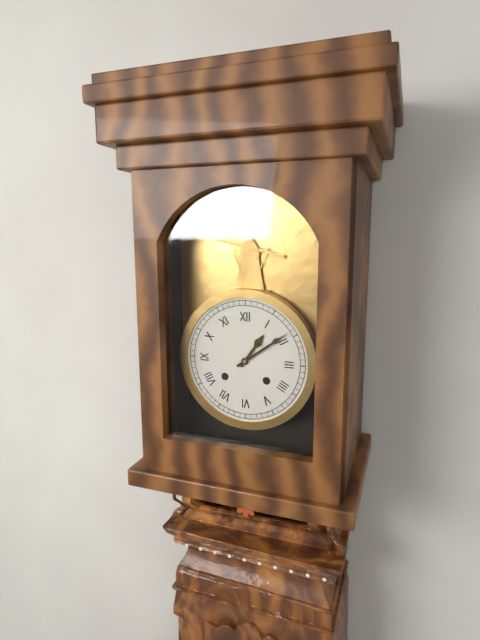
1,09
